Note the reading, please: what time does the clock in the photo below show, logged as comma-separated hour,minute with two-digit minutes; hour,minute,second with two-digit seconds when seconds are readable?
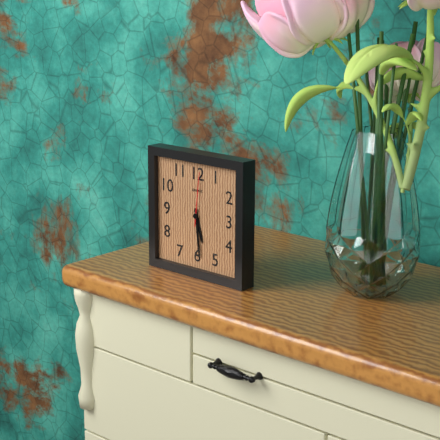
5,29,01
